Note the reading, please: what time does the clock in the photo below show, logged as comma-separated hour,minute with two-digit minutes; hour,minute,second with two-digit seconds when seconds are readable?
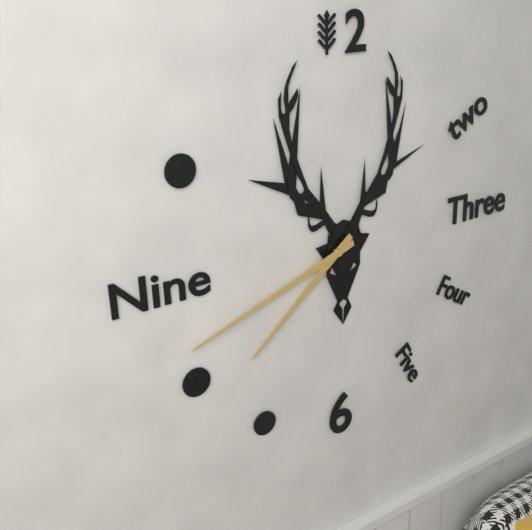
7,42
